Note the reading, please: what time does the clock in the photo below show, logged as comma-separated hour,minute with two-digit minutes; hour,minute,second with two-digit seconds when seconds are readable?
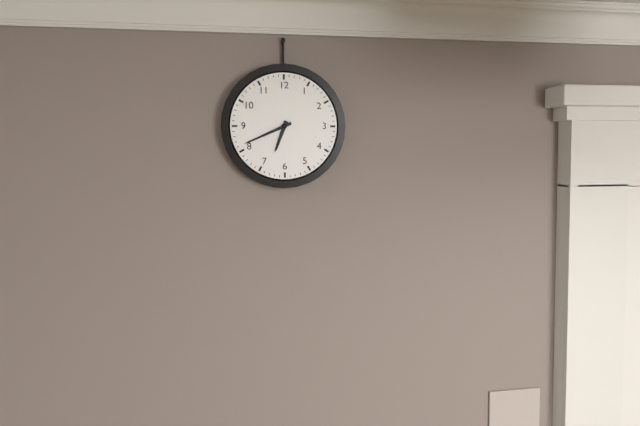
6,41
